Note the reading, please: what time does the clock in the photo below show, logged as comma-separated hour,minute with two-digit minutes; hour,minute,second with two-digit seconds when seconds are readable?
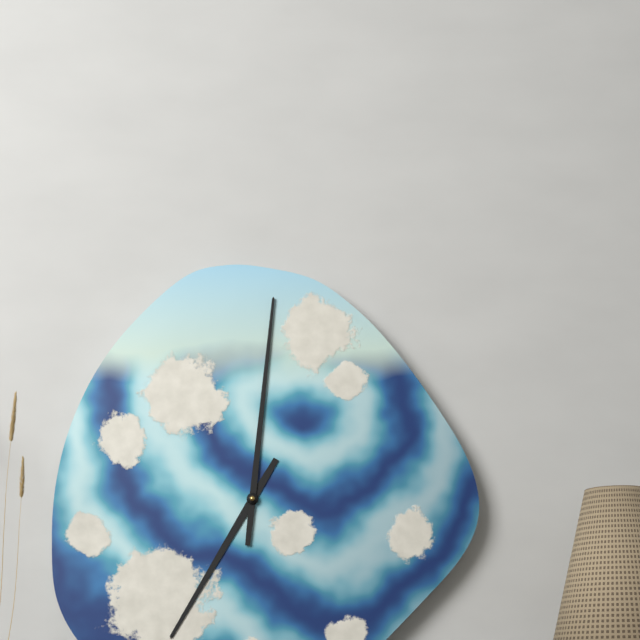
7,01
